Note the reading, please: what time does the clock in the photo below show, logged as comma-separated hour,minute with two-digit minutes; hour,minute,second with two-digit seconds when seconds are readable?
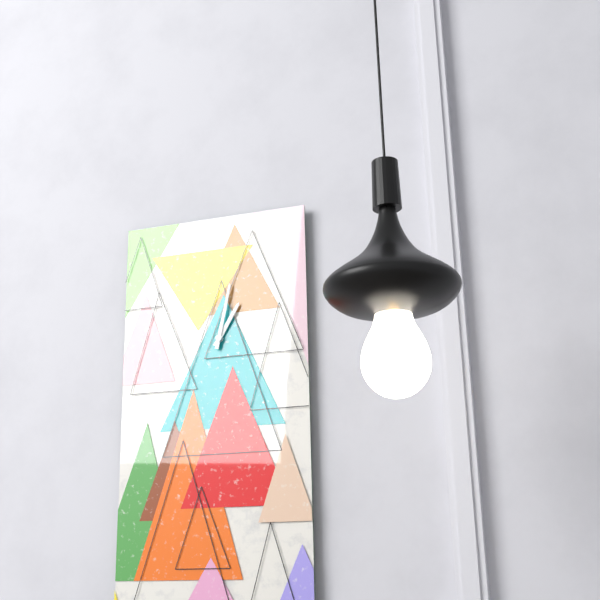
1,02
